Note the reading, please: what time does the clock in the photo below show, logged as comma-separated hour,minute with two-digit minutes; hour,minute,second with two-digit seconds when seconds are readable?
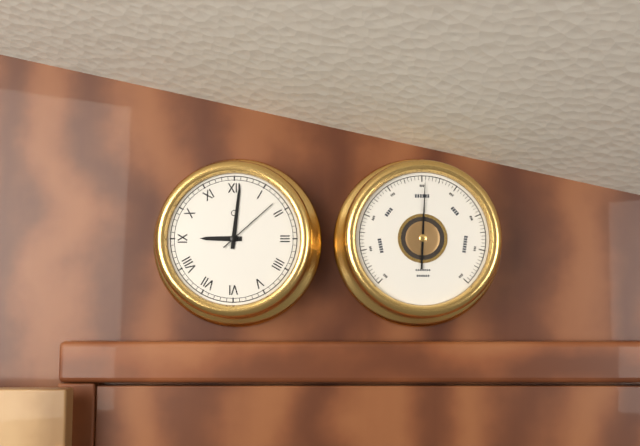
9,01,08
